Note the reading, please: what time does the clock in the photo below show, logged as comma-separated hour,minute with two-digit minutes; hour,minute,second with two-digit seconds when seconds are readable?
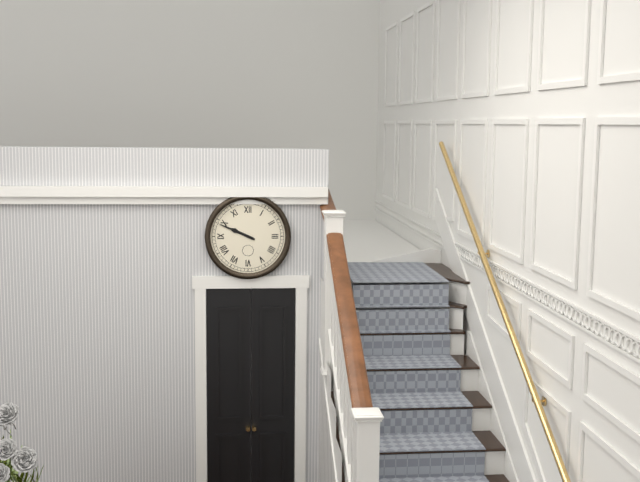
9,49
